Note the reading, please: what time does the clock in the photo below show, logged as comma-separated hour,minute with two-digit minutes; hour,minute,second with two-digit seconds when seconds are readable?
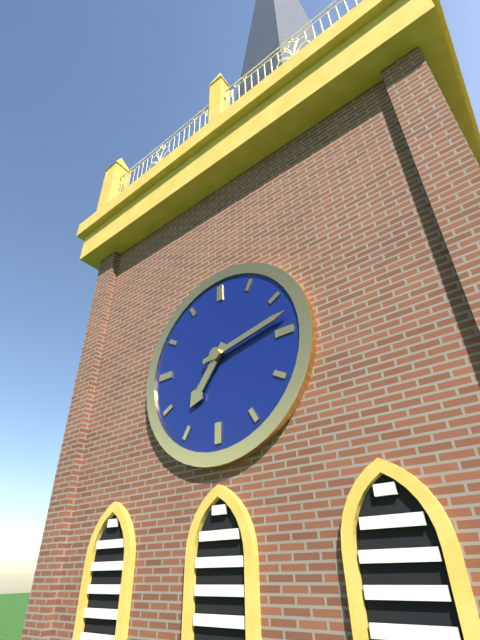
7,13
